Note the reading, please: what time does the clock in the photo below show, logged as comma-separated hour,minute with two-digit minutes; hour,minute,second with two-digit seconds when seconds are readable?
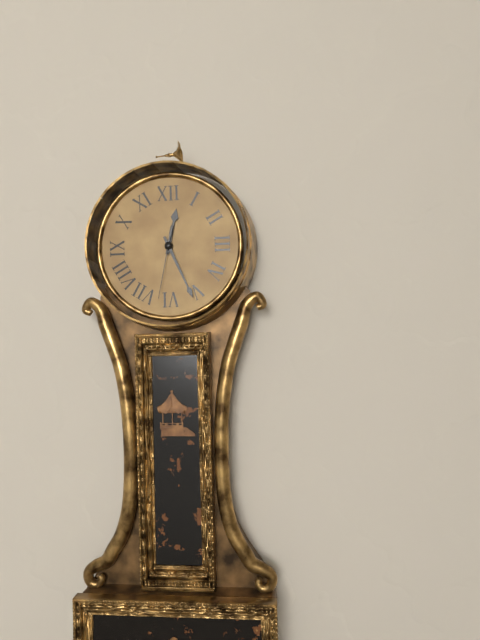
12,26,32
